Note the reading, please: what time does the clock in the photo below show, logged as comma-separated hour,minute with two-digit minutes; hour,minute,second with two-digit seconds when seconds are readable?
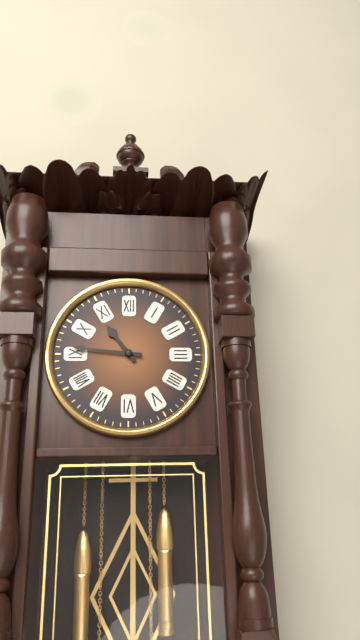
10,46
